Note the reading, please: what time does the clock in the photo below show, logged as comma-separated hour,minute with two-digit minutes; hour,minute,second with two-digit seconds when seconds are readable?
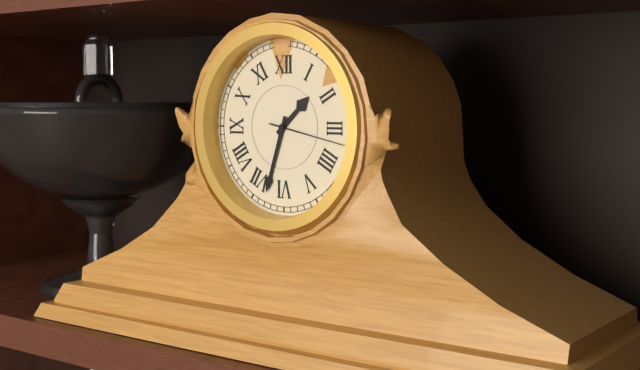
1,33,17
